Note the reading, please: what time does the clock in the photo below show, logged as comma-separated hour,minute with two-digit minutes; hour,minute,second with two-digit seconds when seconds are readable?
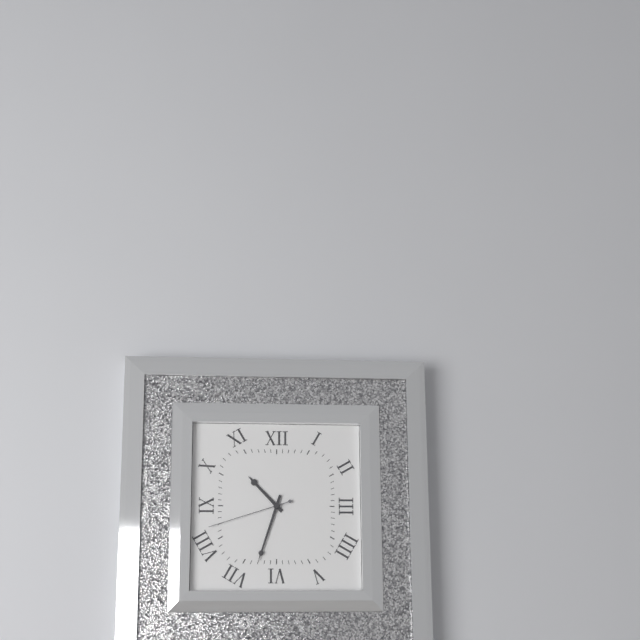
10,33,42
